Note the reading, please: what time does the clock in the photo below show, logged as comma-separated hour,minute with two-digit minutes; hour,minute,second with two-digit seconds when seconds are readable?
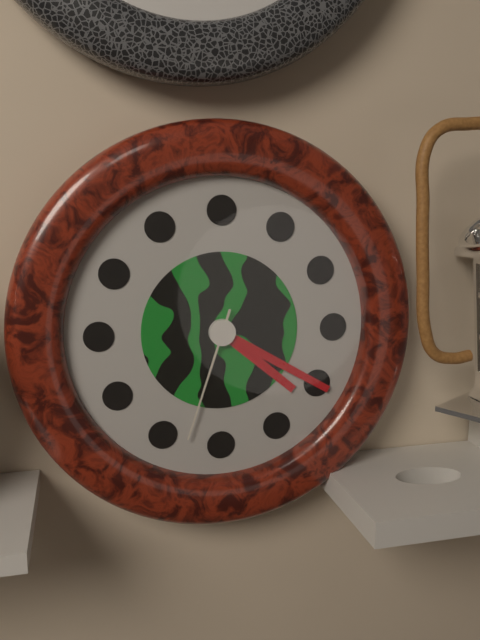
4,20,33
